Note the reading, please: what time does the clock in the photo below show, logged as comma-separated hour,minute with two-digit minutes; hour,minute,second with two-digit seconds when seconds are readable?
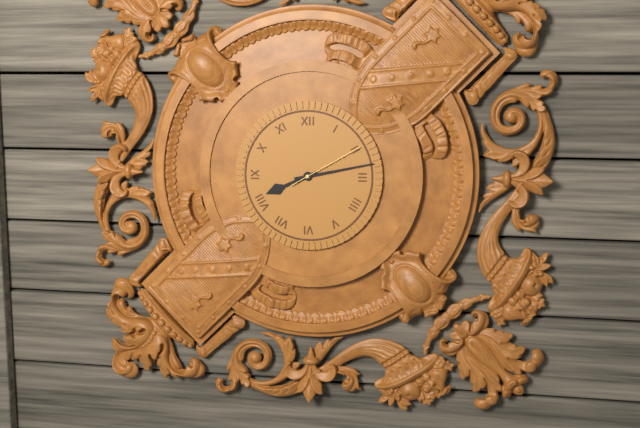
8,13,10
